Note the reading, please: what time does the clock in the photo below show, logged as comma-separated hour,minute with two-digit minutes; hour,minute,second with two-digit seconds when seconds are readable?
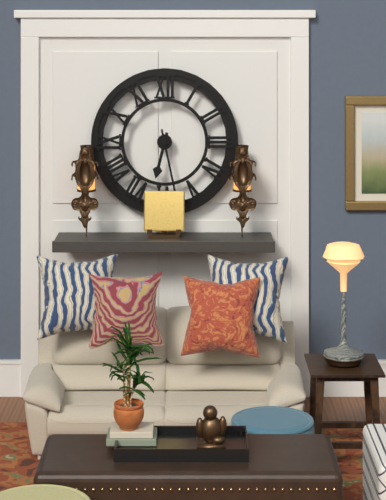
6,28
